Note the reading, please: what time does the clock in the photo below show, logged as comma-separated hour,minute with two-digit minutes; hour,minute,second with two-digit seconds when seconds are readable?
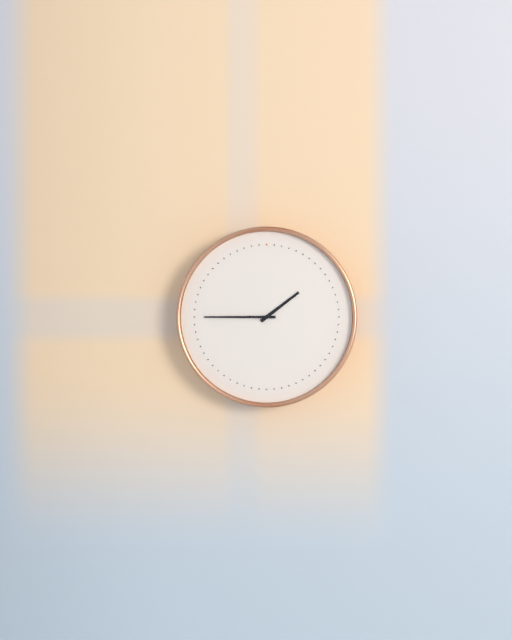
1,45
